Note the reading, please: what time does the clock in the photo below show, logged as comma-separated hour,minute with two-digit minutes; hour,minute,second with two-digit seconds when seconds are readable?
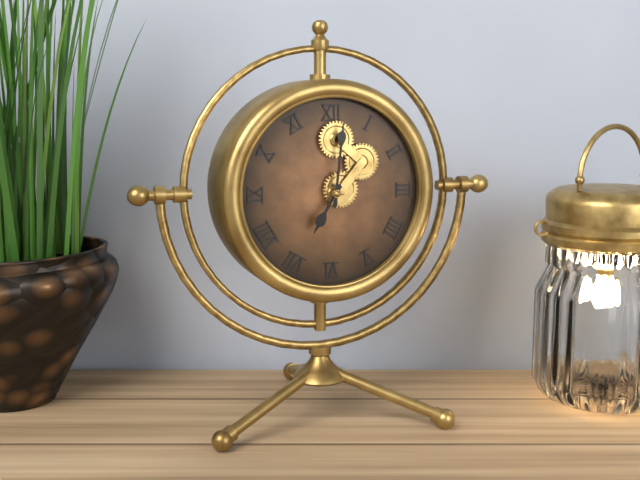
7,01
